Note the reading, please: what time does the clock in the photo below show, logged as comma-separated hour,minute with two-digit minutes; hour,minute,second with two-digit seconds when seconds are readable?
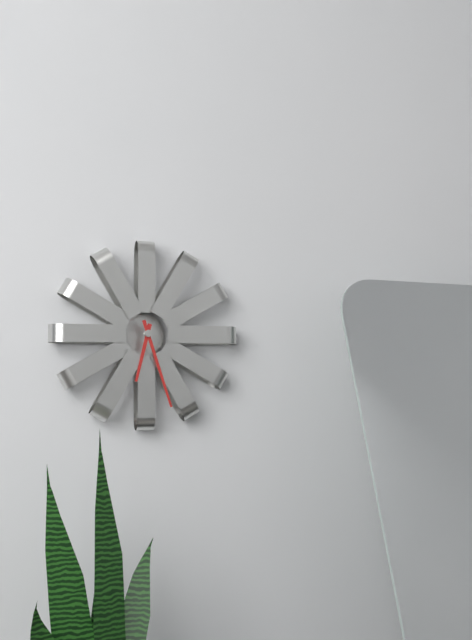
6,27
